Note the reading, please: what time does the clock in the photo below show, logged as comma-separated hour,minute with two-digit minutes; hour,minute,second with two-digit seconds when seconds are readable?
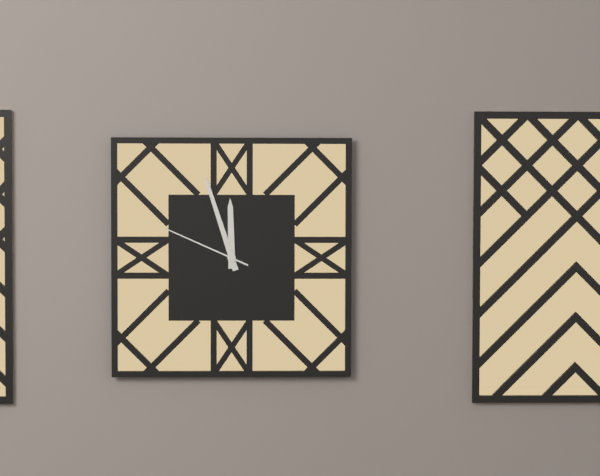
11,57,49
